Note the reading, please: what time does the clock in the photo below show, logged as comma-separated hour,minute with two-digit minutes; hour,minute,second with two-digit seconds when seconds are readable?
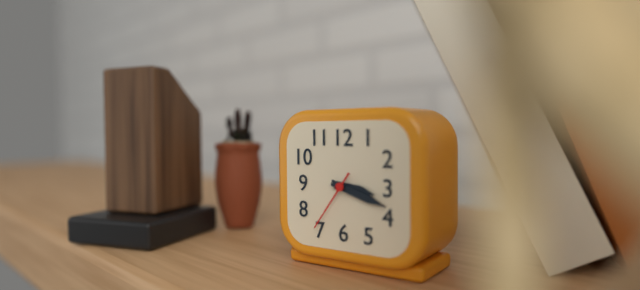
3,18,36
